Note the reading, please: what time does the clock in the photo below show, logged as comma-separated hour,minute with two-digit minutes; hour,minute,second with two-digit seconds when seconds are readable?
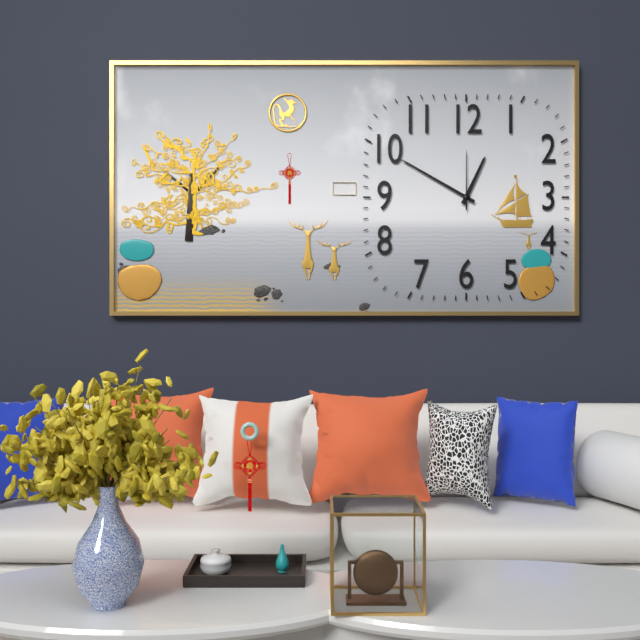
12,50,00
